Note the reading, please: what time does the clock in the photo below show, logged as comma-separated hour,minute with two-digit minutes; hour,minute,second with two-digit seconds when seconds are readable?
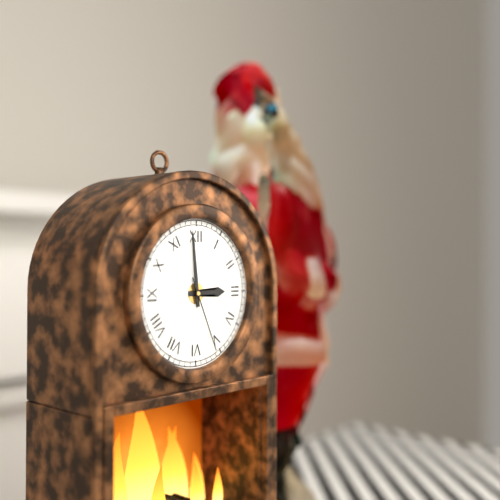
2,59,26
